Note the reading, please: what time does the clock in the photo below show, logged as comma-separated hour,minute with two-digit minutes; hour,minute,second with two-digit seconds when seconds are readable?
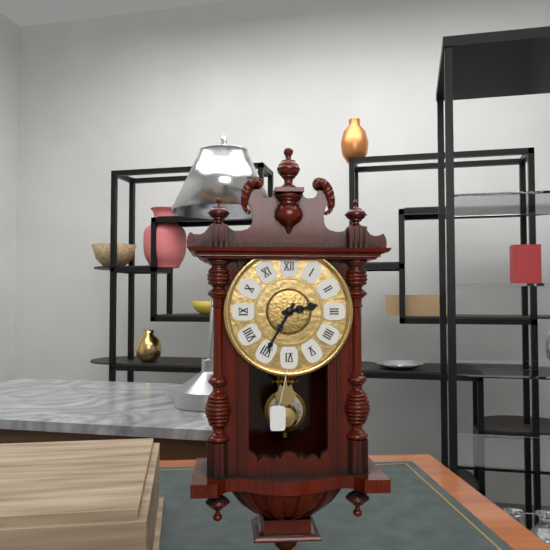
2,35
